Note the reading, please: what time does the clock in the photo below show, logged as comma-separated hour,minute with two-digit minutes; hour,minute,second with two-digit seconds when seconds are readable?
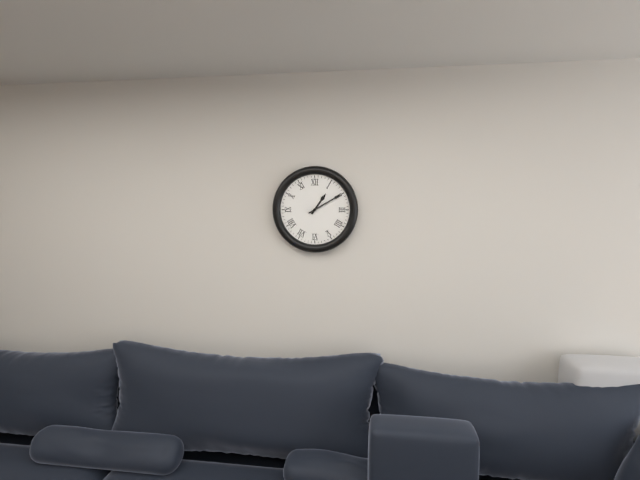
1,10
